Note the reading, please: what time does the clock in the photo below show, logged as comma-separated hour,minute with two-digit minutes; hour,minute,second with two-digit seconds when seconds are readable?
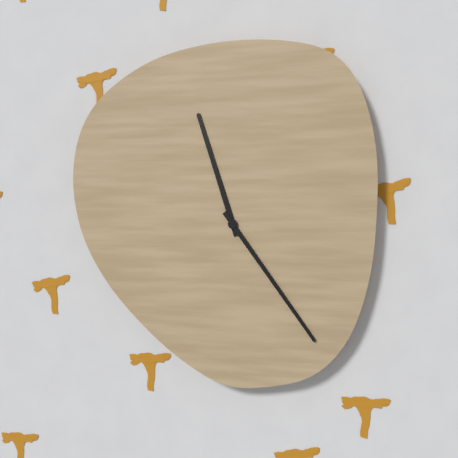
11,24
